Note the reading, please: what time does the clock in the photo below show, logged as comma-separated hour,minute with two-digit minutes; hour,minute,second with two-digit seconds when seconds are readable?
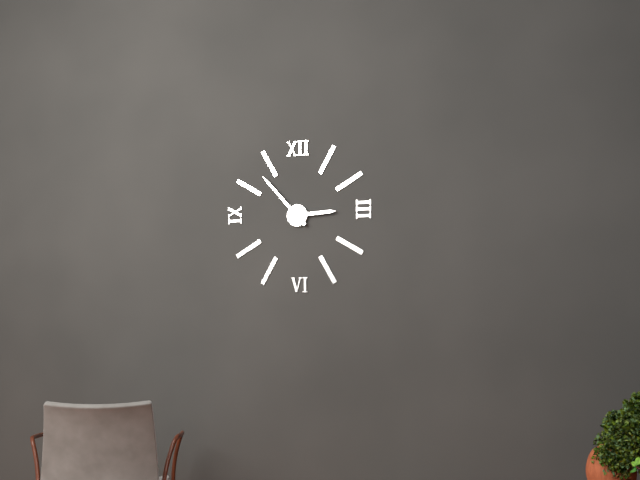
2,53
